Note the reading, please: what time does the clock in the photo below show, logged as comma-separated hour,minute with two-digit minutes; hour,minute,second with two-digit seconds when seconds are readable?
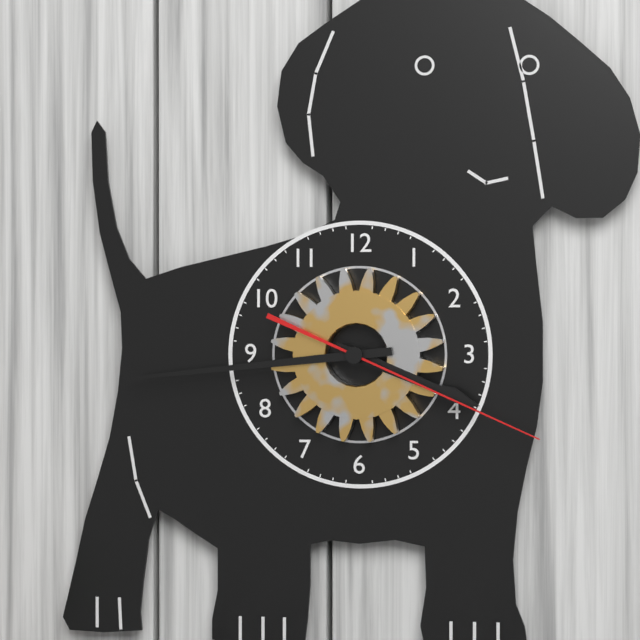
3,44,19
